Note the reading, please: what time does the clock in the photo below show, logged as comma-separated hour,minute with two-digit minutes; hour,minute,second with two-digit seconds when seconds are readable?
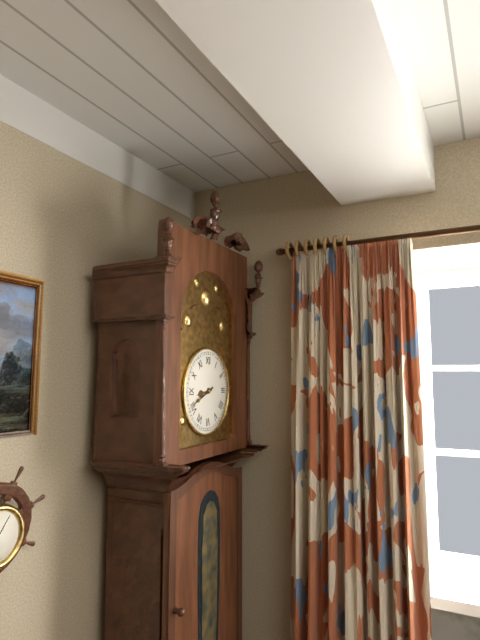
8,41
